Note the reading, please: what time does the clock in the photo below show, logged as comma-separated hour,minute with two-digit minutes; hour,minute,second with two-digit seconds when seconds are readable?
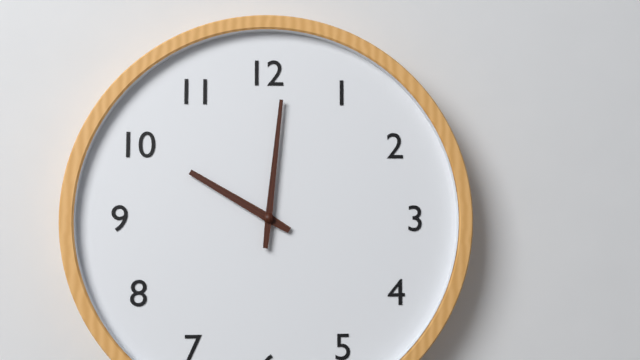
10,01
